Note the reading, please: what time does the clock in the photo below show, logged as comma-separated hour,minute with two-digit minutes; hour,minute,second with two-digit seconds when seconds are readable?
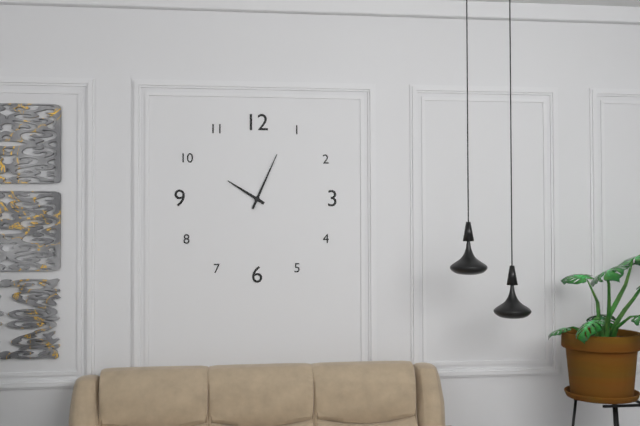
10,04
